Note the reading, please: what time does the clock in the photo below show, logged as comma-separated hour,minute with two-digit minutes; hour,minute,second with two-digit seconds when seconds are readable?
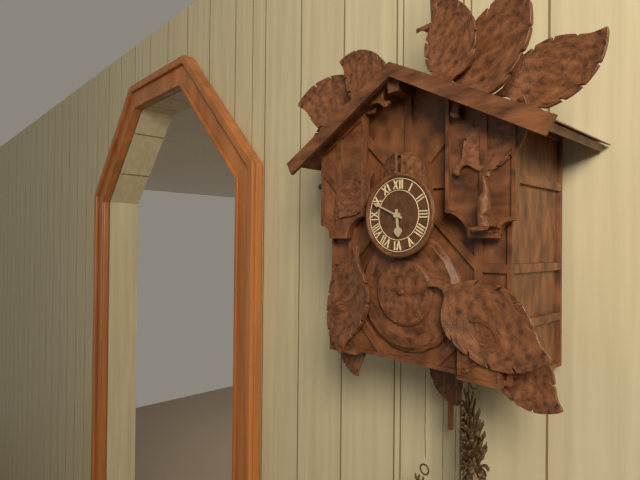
5,49
